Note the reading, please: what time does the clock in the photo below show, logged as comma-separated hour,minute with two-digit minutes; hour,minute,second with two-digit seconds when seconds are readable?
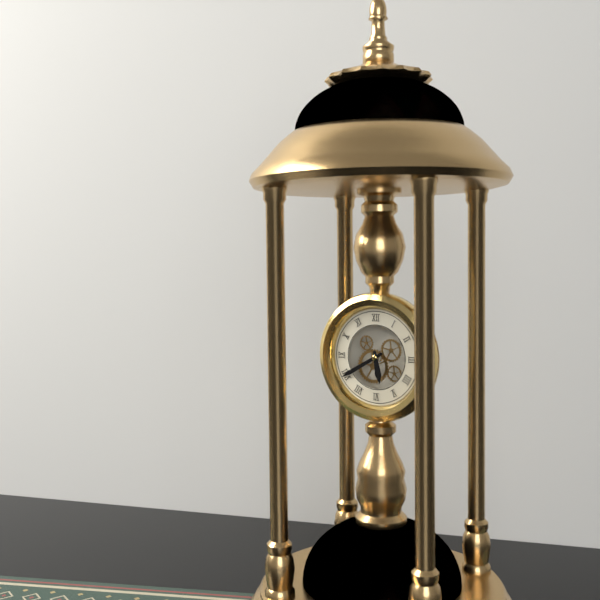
5,40
